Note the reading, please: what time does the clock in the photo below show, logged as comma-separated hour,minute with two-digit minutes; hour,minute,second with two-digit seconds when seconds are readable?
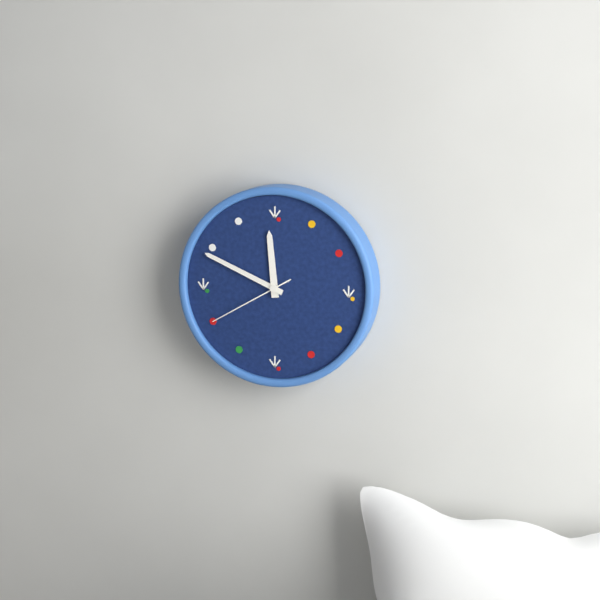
11,49,40
